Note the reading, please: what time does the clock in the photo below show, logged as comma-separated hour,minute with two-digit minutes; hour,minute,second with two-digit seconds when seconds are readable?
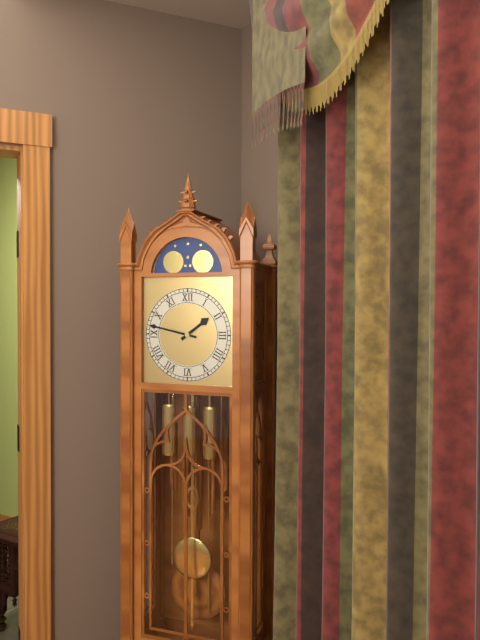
1,47
